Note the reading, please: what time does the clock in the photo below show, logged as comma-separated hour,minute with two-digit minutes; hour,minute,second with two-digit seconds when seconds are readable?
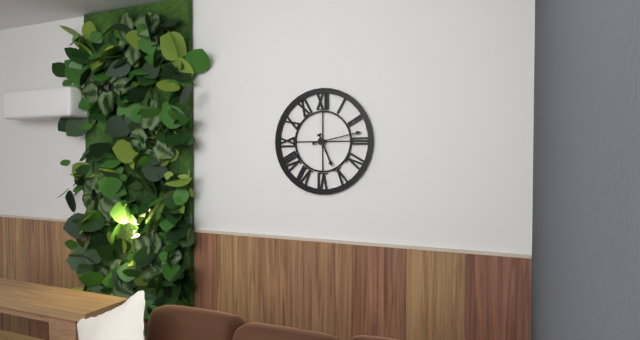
5,13
